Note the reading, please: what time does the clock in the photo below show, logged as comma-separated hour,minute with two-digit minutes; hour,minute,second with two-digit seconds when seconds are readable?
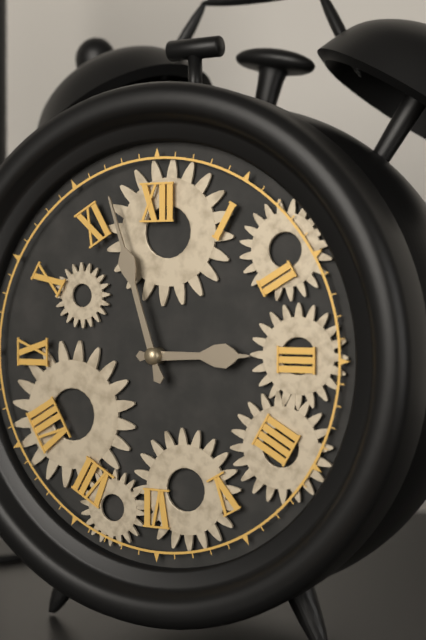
2,57
